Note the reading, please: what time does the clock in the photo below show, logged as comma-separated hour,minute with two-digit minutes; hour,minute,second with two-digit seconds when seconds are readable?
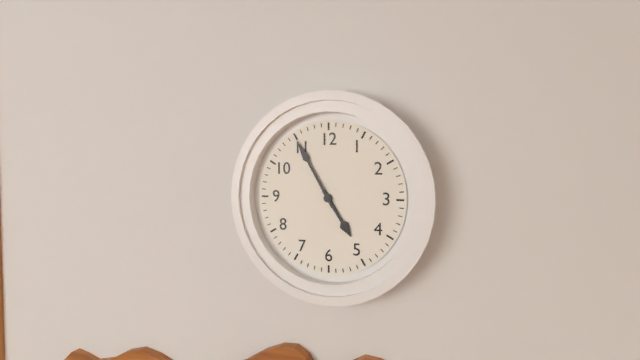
4,55
